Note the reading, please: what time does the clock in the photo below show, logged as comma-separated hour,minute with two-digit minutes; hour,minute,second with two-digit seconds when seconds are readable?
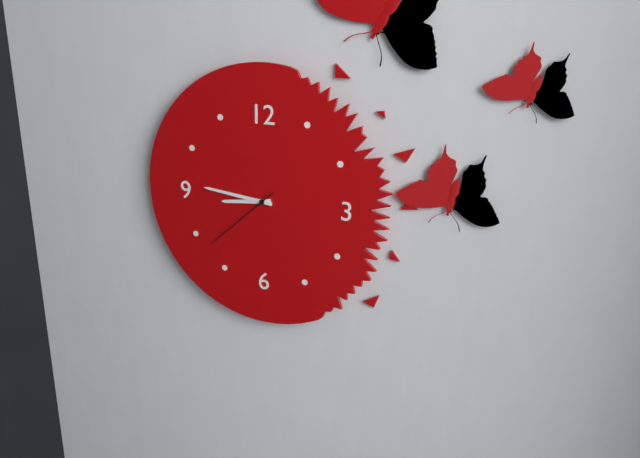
8,46,38
